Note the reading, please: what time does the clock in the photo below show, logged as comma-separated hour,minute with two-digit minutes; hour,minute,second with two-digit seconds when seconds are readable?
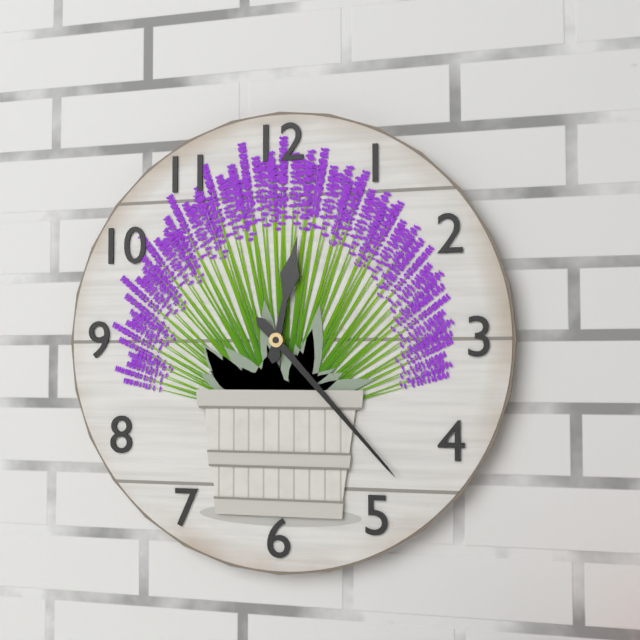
12,23
